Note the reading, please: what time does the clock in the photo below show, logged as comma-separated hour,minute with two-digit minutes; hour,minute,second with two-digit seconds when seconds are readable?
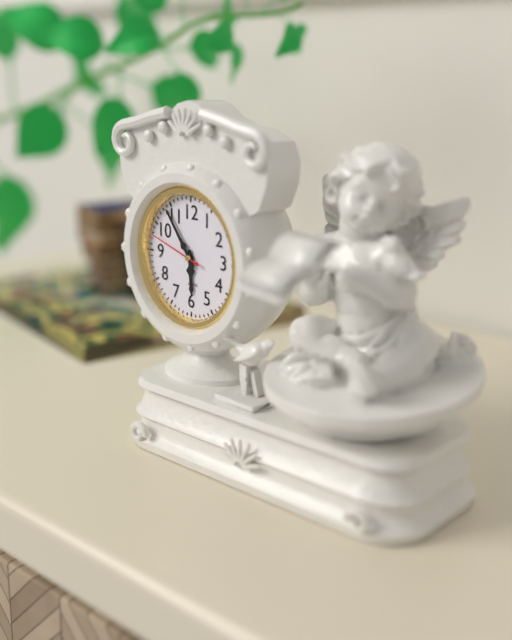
5,54,48
